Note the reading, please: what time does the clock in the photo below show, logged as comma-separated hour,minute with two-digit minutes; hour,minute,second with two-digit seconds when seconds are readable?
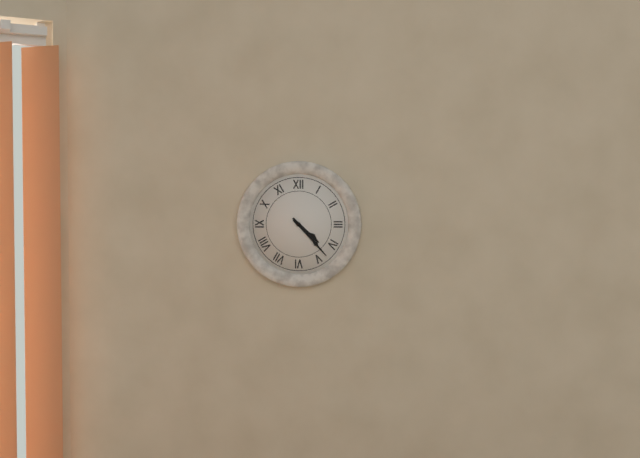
4,23
